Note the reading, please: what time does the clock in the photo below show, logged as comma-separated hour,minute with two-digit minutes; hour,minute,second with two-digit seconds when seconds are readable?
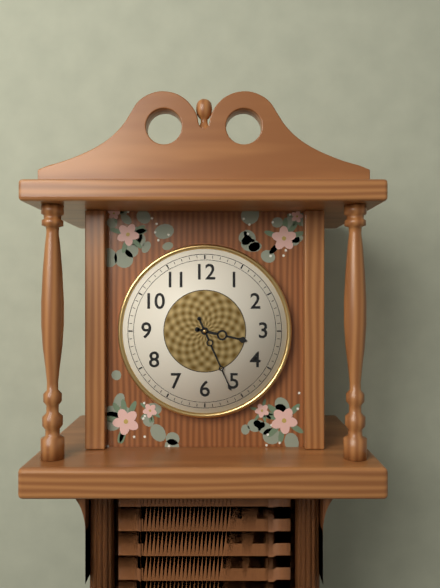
3,26
